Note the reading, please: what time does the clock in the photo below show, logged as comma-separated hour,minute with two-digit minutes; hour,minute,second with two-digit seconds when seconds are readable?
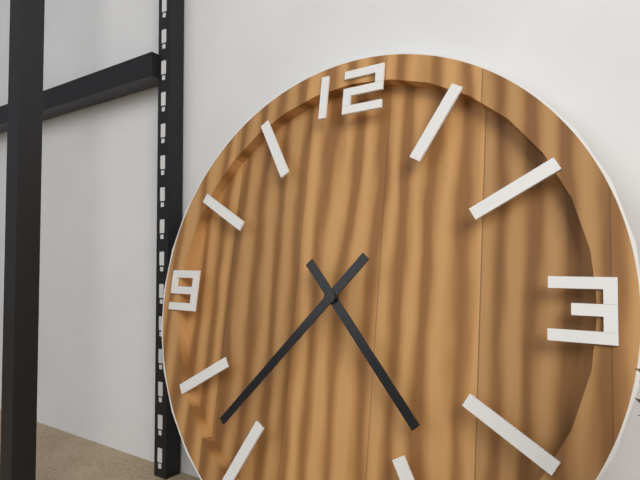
4,37
